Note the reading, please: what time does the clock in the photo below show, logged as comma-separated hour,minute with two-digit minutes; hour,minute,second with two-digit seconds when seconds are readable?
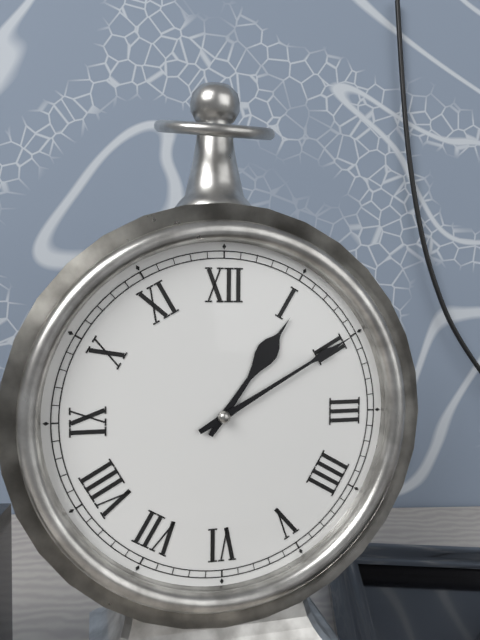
1,10
